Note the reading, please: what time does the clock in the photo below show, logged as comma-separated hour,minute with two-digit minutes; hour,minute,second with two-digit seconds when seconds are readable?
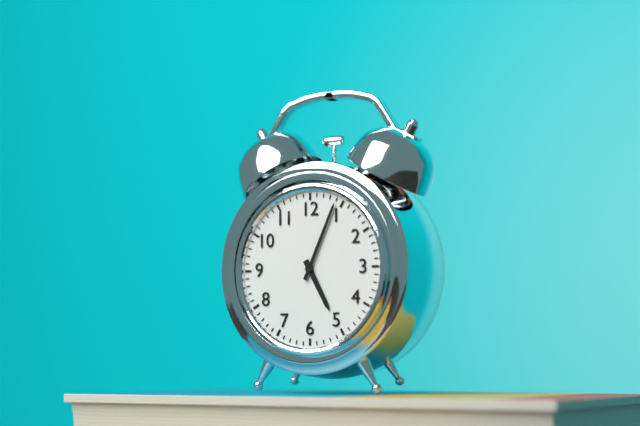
5,04
